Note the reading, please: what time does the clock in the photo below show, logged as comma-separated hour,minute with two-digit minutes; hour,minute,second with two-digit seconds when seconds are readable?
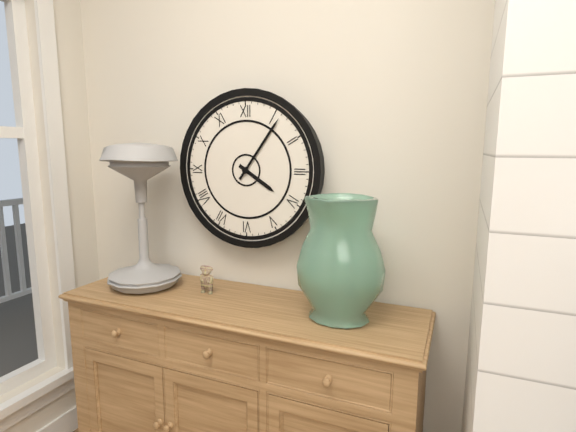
4,06
